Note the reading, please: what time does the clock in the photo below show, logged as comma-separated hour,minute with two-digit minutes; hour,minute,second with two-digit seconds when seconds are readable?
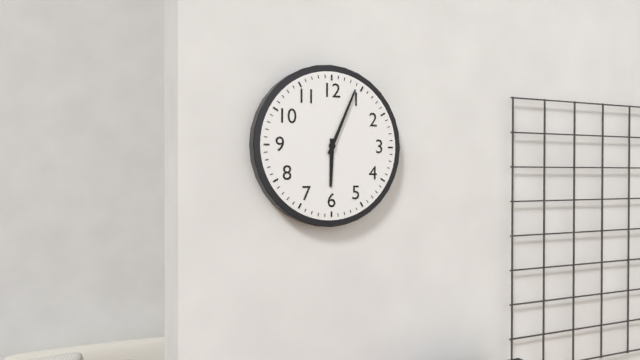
6,04
